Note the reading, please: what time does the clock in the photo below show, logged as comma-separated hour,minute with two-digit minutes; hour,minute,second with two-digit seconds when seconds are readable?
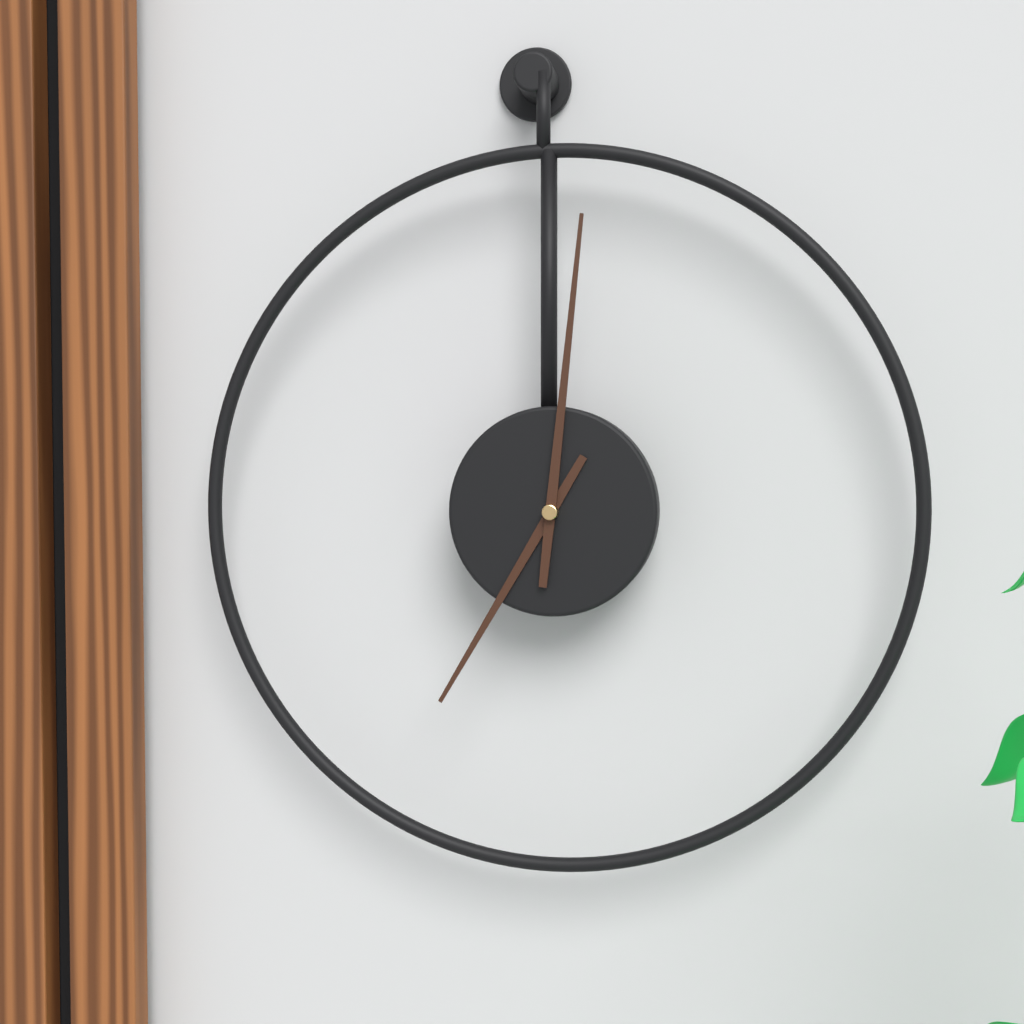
7,01
